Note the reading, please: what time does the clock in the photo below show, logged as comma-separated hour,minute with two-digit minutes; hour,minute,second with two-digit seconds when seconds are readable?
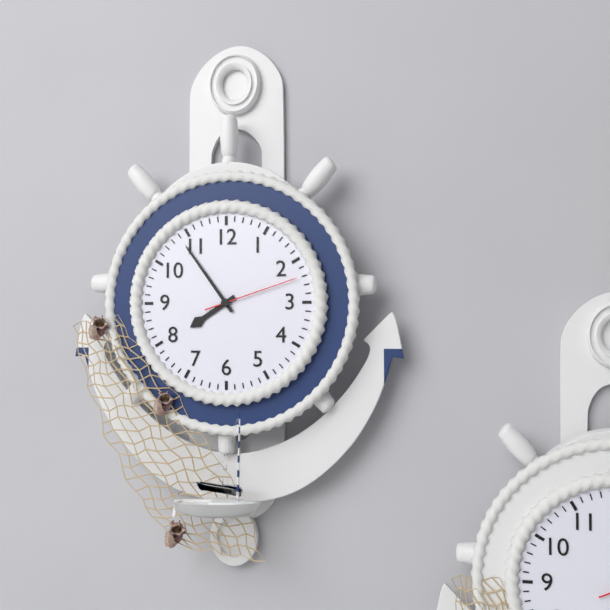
7,54,12
